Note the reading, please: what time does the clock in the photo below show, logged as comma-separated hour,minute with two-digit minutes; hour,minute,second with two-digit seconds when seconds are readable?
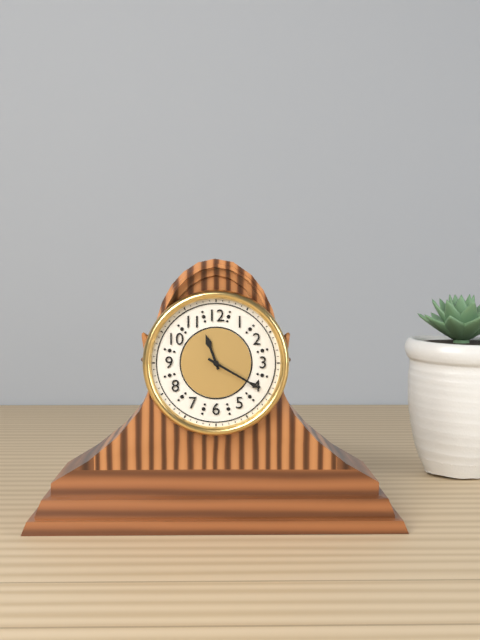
11,20
